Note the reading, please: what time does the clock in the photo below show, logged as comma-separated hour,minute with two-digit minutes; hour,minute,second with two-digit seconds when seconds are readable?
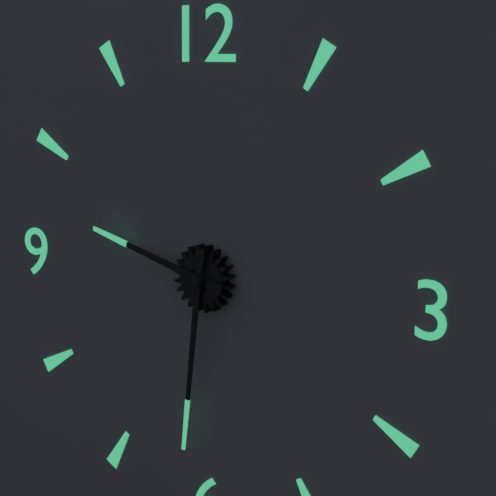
9,31
